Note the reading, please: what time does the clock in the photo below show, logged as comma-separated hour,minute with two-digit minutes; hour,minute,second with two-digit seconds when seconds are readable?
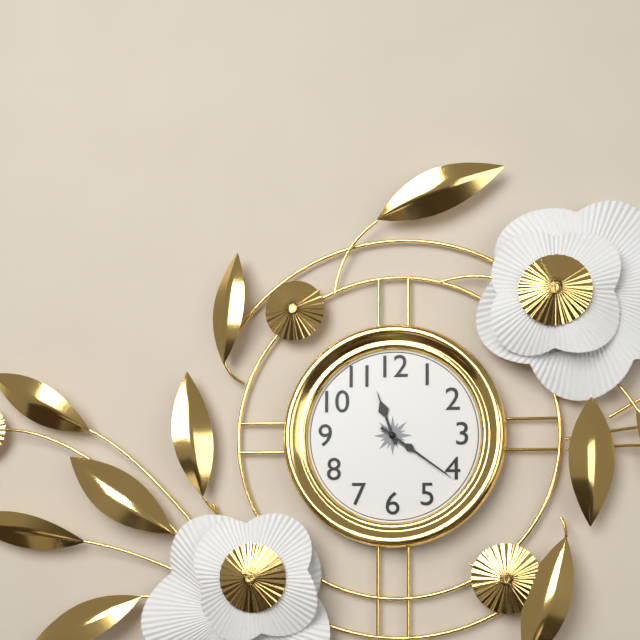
11,21
